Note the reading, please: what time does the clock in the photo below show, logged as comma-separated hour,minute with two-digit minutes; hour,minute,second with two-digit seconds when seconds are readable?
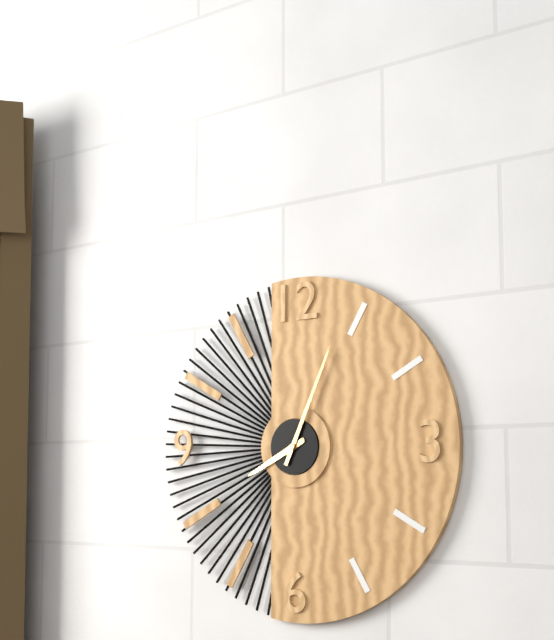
8,04
